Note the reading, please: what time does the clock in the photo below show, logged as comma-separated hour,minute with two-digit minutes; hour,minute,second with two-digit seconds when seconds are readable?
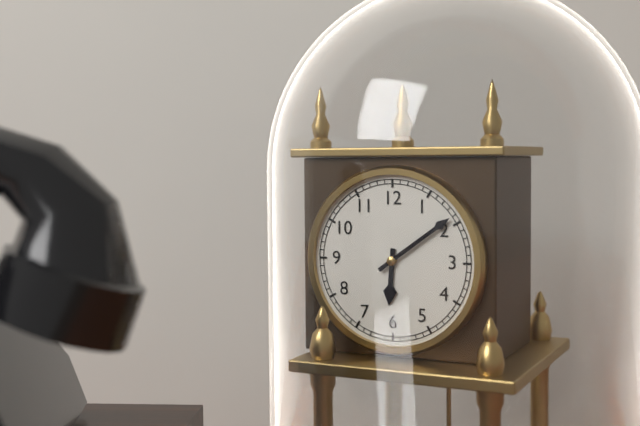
6,09
